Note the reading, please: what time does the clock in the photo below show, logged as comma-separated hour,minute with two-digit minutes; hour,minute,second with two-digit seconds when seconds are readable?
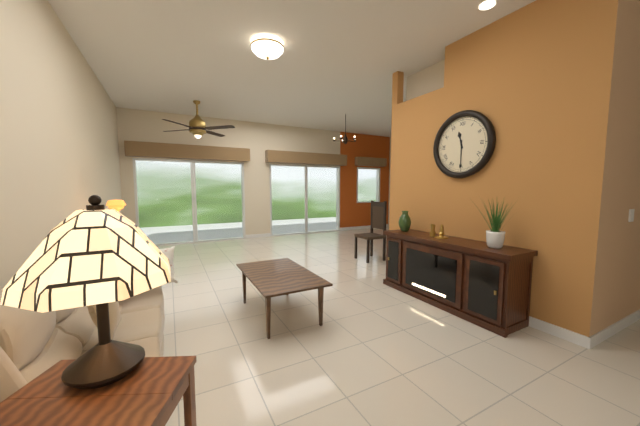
11,30
